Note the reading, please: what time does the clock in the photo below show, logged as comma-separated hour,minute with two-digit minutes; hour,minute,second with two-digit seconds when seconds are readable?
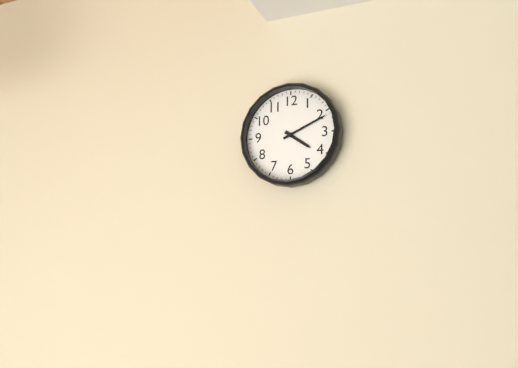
4,11
